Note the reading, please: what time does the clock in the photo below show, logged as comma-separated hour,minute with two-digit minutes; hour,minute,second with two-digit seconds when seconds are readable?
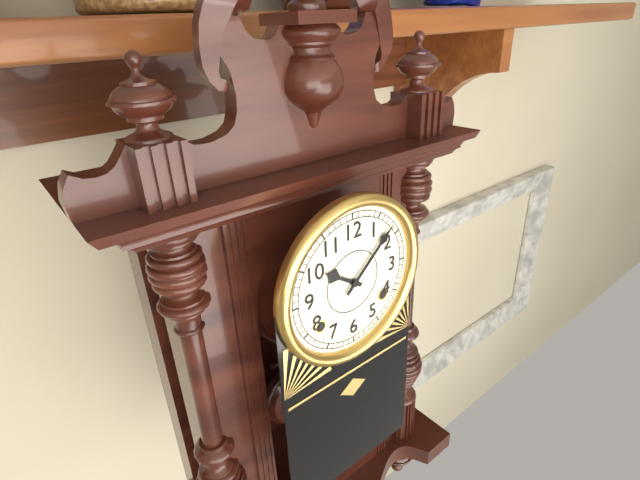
10,08
